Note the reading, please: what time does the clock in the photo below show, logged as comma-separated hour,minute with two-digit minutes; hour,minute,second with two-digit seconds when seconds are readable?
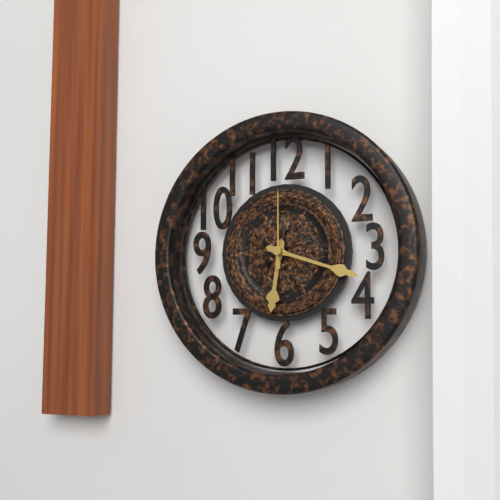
6,18,00
